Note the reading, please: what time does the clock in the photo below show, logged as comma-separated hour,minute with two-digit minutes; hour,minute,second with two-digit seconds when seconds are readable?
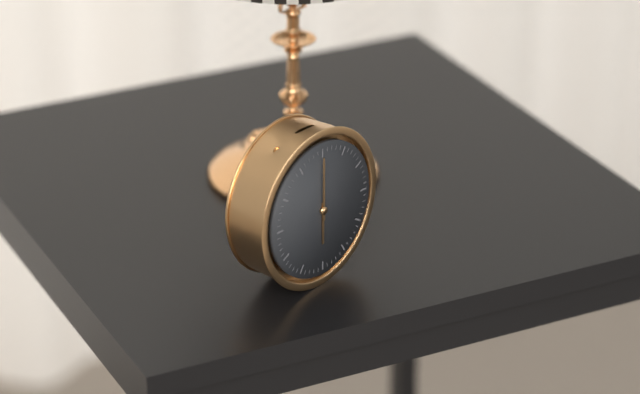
6,00
